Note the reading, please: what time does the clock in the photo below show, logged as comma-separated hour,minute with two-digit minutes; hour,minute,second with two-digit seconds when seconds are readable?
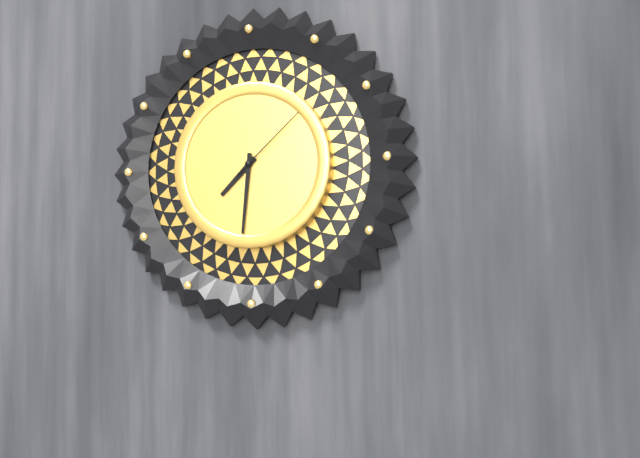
7,31,08
